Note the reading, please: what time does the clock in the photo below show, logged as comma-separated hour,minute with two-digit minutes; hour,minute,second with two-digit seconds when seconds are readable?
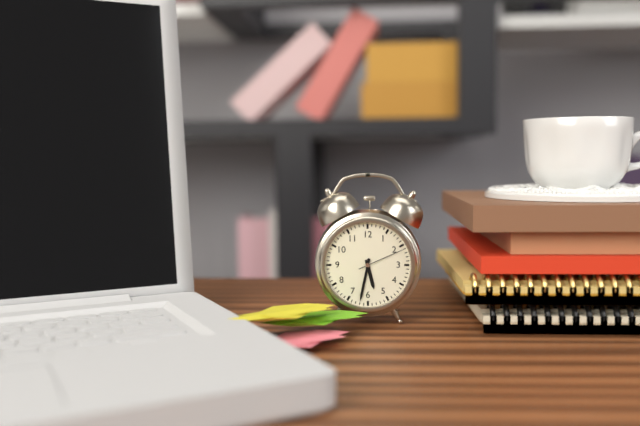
5,32,11
